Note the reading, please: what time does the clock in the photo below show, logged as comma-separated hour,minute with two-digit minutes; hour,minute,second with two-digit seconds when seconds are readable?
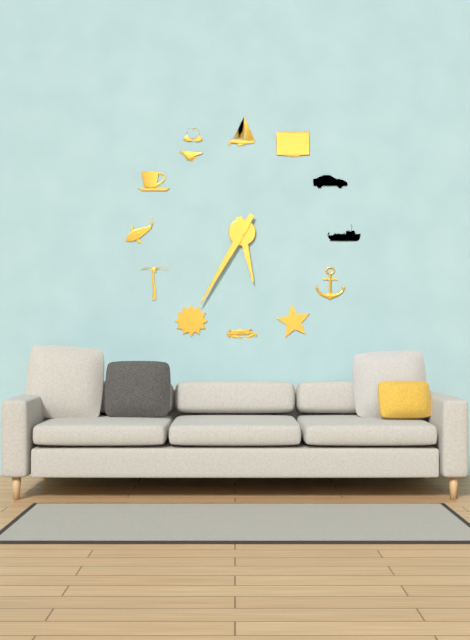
5,35
